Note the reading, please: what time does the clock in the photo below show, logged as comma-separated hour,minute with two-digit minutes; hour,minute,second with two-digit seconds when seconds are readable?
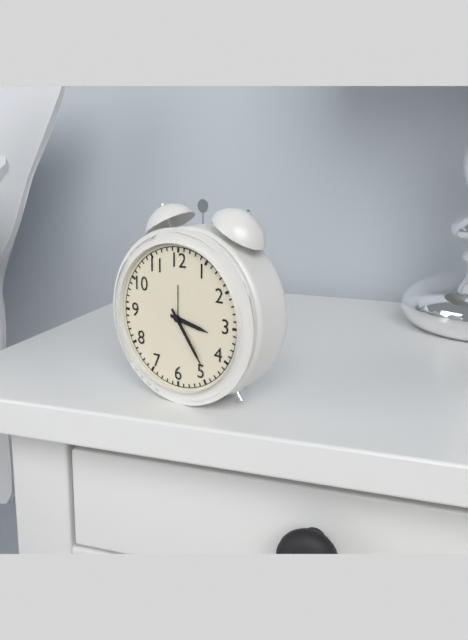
3,24
